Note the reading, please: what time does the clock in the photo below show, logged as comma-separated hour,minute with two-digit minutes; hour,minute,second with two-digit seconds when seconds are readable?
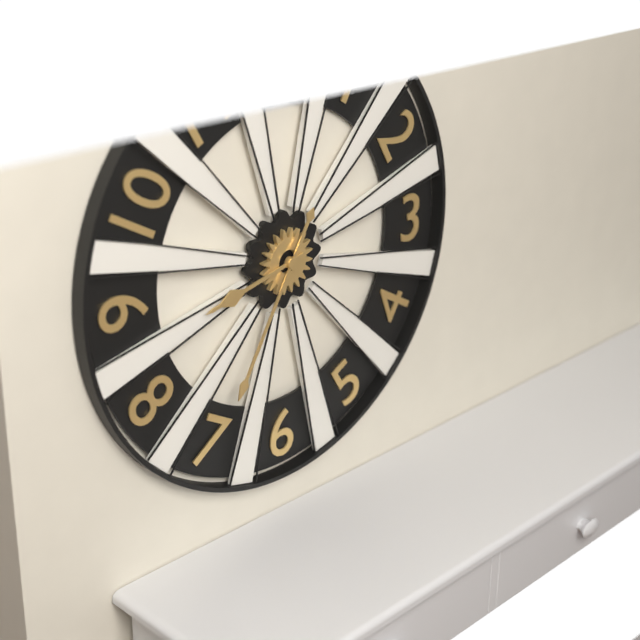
8,35
